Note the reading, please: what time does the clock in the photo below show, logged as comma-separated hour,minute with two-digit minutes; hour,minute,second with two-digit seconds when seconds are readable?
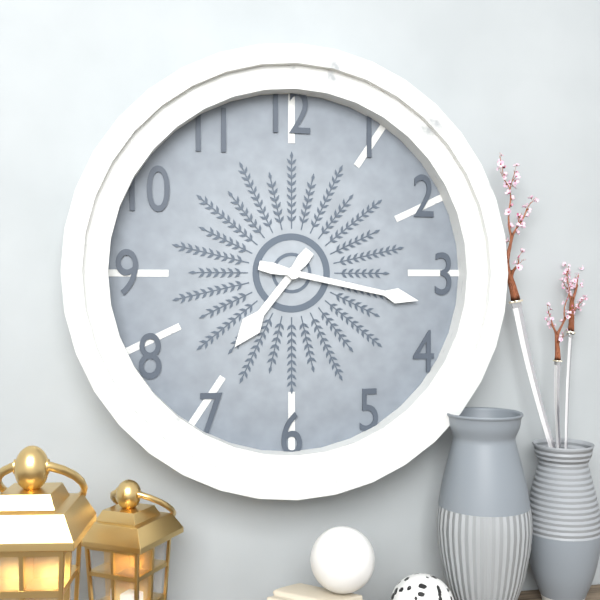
7,17
